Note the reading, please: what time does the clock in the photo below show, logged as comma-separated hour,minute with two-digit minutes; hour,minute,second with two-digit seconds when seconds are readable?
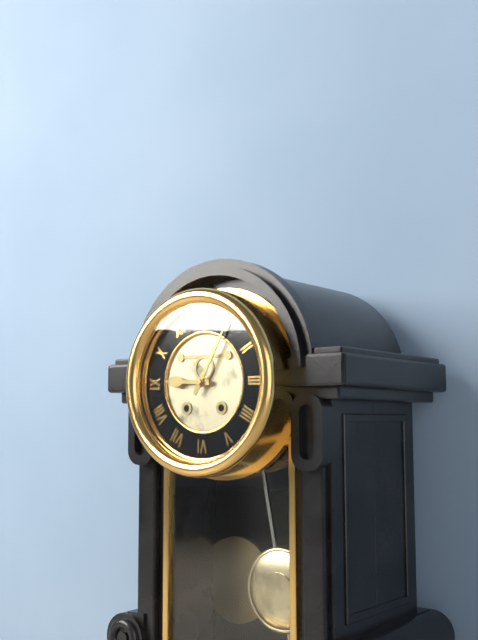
9,05
